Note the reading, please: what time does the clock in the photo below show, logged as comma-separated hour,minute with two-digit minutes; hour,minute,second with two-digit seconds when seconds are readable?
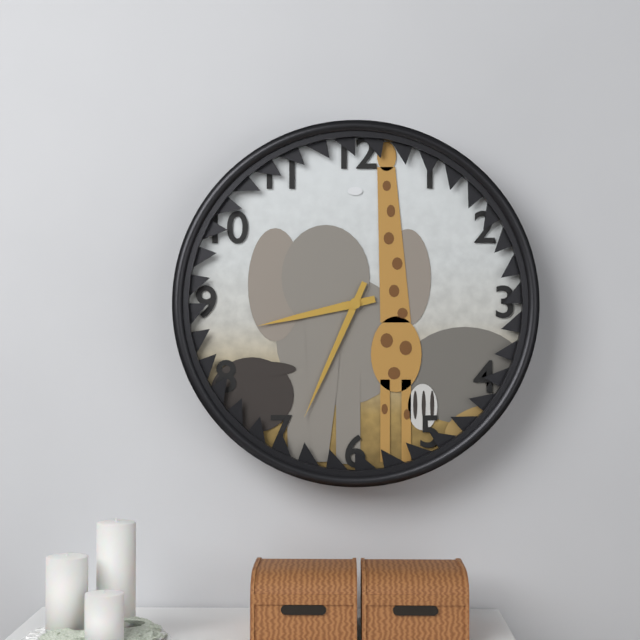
8,34
